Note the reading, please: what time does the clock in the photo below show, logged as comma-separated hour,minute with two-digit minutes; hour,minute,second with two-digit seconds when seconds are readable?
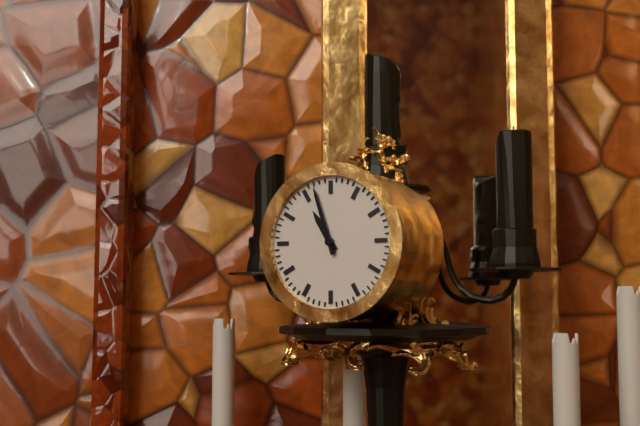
10,57
